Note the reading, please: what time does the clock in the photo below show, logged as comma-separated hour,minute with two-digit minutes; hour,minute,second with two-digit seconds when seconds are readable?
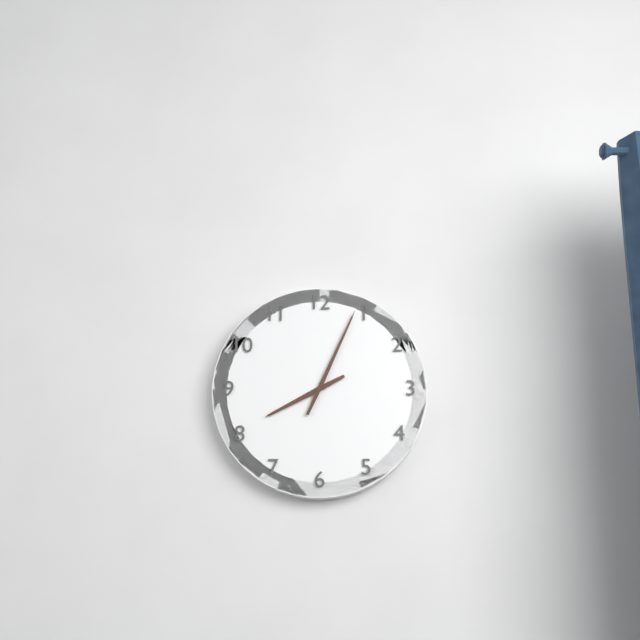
8,04
